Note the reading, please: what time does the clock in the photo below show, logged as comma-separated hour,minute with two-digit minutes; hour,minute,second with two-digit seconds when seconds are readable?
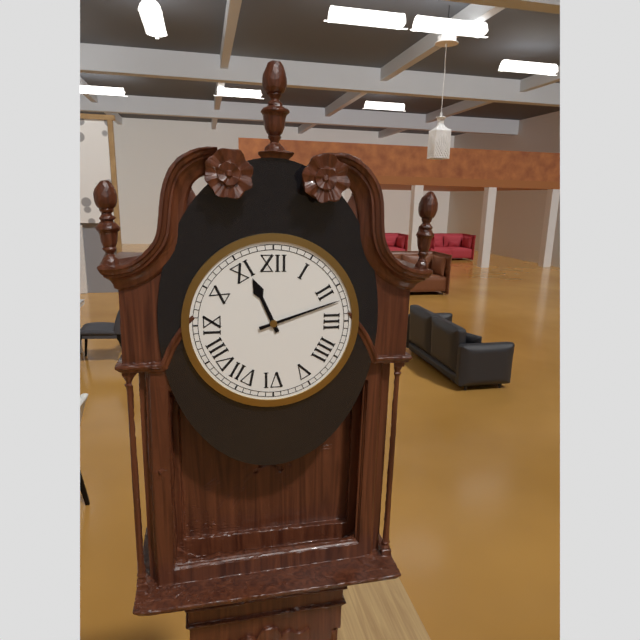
11,12
